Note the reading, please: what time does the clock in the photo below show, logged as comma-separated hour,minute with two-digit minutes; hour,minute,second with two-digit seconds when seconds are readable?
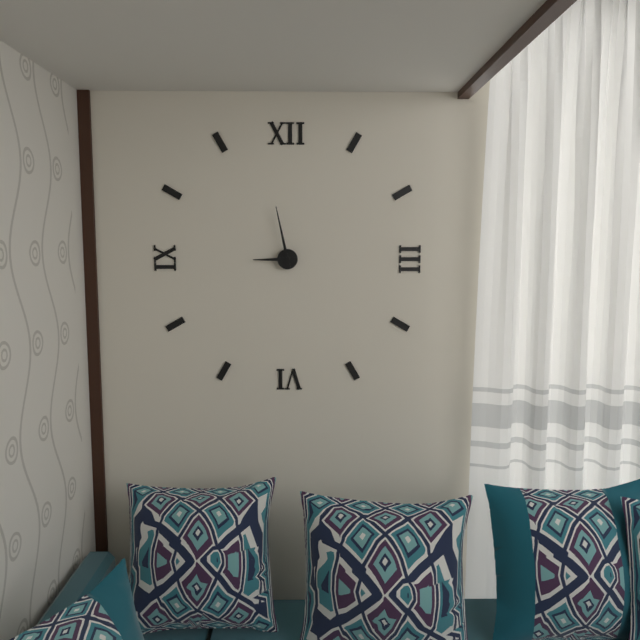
8,58
